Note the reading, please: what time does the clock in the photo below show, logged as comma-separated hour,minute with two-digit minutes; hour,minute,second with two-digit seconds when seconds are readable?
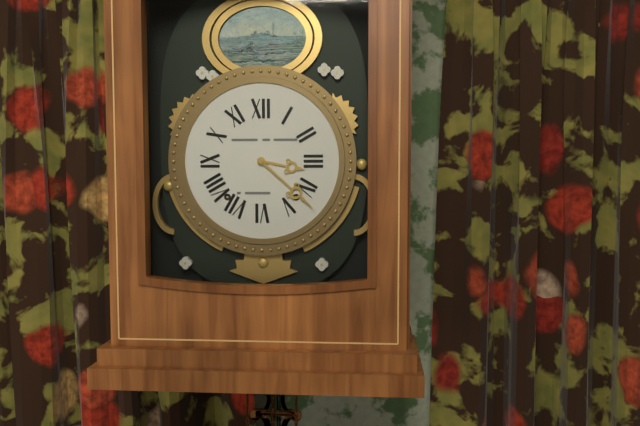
3,22
